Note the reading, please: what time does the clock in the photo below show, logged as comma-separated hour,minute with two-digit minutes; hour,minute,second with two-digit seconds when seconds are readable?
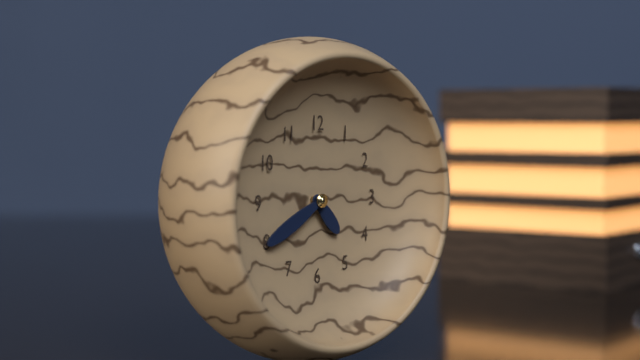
4,40
